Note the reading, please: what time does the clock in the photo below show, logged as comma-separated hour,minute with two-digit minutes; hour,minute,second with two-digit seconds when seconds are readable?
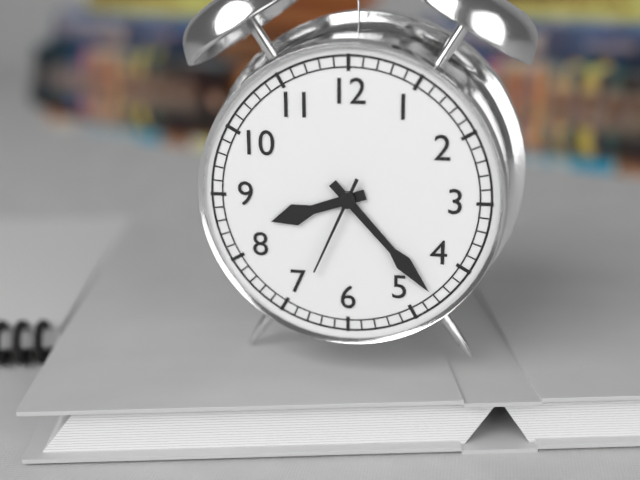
8,23,34
